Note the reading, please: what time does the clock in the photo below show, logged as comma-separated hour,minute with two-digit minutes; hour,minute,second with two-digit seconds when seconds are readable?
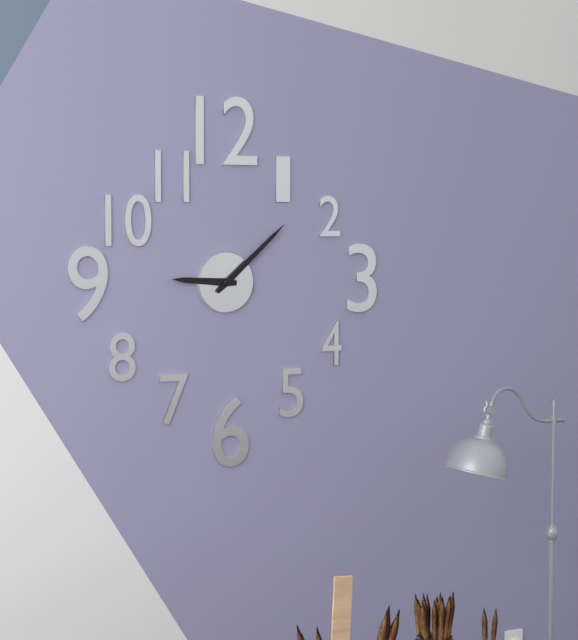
9,08
